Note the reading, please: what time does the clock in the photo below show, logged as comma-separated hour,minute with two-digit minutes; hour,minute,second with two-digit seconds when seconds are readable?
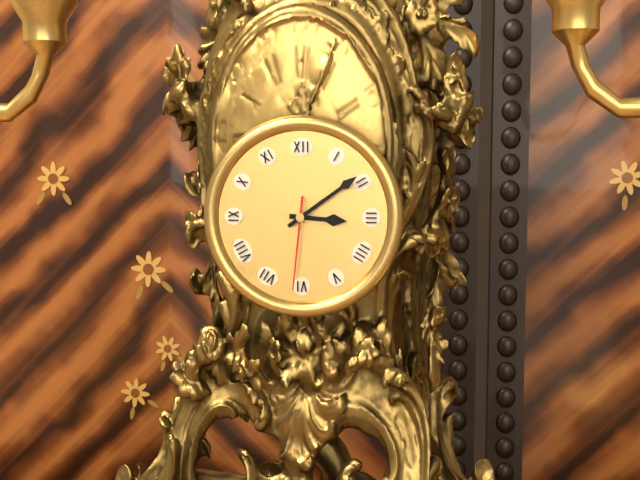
3,09,31
